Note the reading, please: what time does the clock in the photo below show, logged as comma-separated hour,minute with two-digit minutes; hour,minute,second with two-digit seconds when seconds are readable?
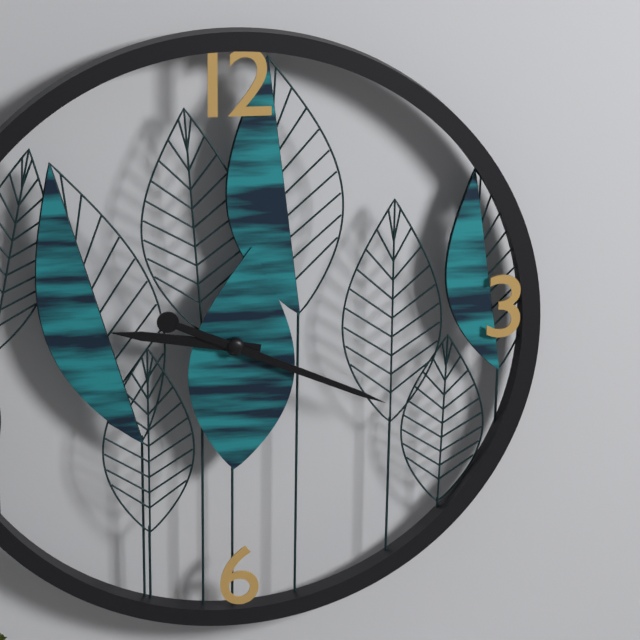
9,19
